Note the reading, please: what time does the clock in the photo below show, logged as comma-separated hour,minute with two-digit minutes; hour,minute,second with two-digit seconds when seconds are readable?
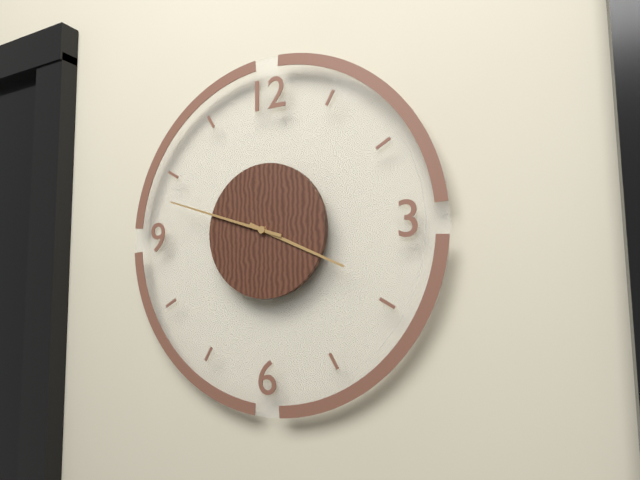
3,48
